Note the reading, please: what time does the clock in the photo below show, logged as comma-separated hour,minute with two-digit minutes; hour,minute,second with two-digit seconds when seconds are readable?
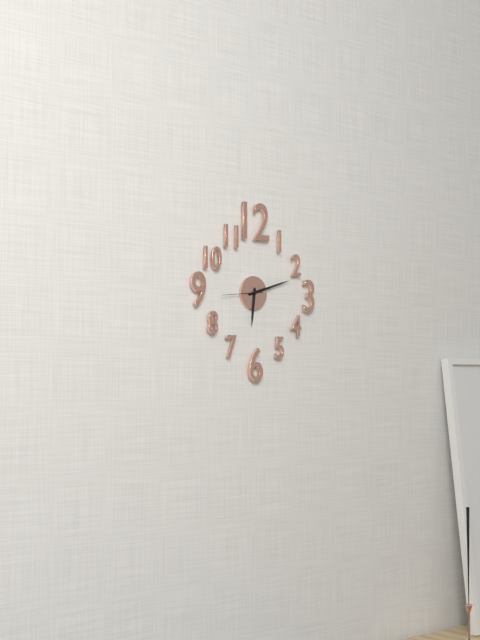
6,12
